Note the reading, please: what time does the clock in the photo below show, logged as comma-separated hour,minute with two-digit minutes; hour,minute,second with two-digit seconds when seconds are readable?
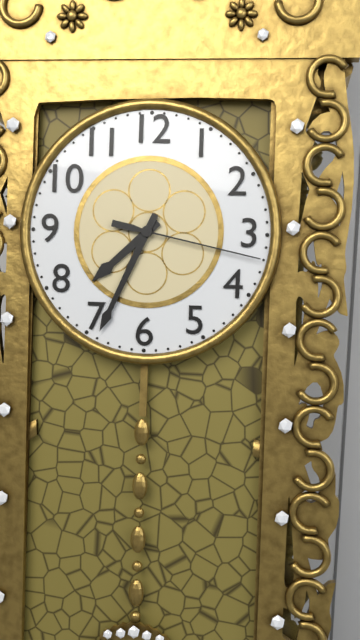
7,34,17
